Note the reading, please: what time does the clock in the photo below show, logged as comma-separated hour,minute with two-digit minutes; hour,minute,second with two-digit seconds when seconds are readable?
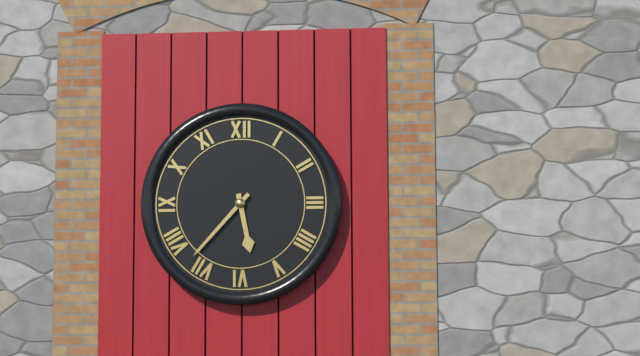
5,37
